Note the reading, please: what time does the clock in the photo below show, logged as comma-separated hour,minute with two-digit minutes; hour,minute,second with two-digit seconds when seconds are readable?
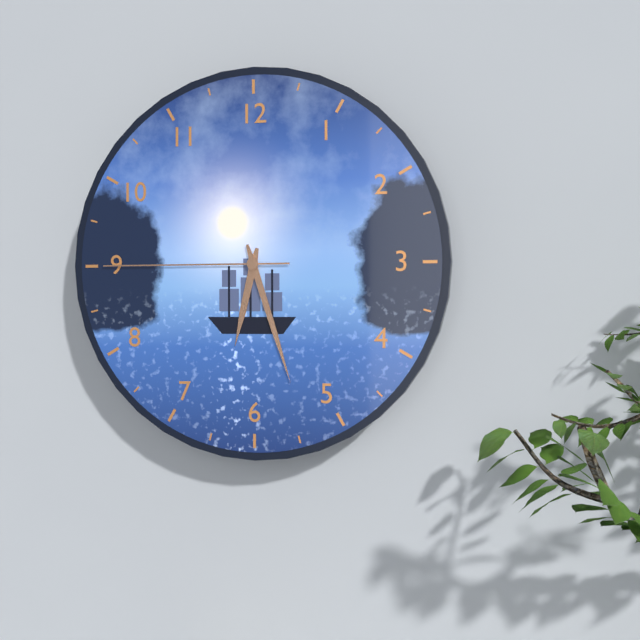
6,27,45
